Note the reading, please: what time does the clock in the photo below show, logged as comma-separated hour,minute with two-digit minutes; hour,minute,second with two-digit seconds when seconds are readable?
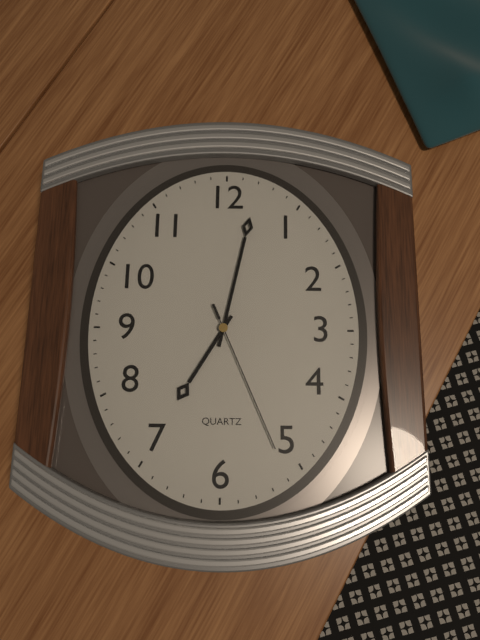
7,02,26
